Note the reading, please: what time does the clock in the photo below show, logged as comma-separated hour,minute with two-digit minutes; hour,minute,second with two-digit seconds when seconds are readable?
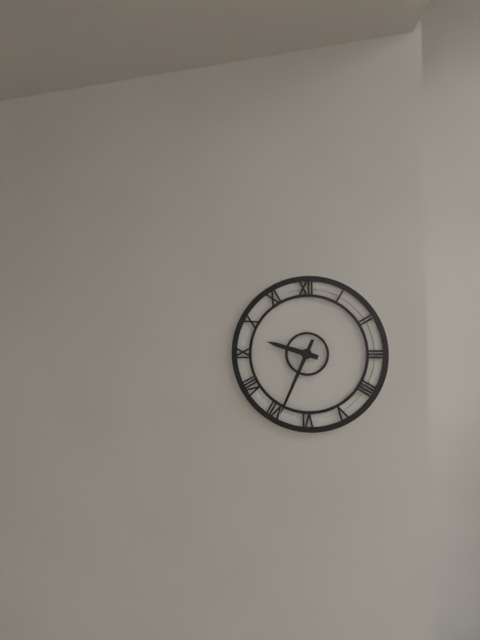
9,34
